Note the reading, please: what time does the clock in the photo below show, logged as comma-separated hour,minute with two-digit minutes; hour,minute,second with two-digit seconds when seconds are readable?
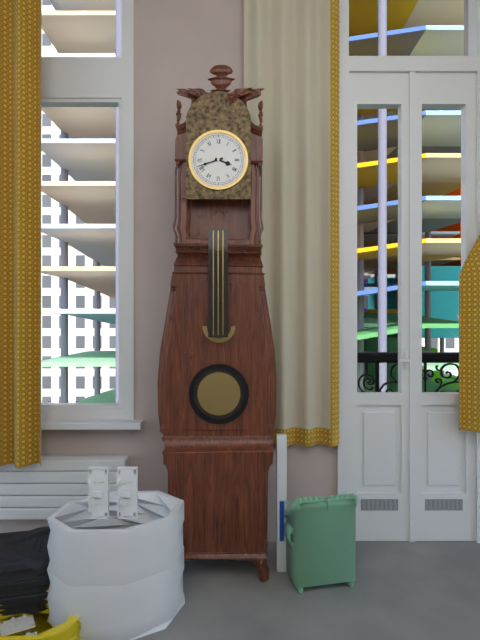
3,42
